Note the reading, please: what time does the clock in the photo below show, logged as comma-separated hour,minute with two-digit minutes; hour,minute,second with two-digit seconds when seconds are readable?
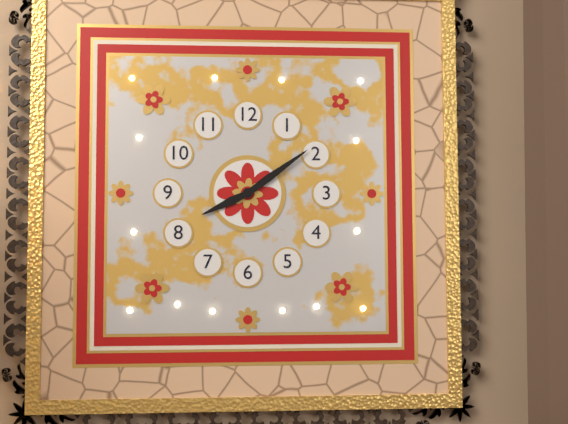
8,09
